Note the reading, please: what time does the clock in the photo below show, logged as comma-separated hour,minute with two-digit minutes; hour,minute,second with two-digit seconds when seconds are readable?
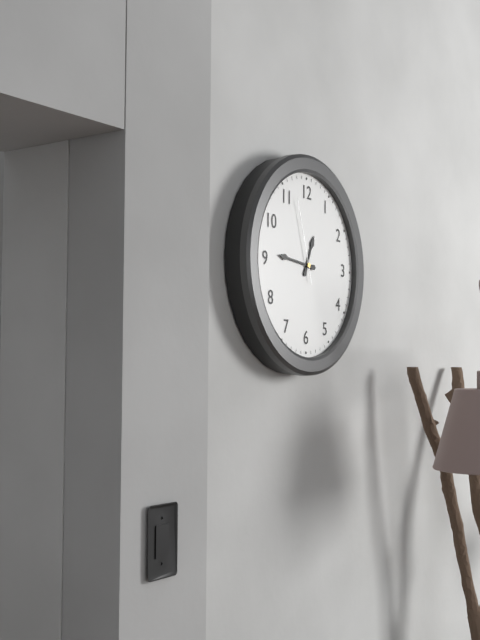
12,46,57
